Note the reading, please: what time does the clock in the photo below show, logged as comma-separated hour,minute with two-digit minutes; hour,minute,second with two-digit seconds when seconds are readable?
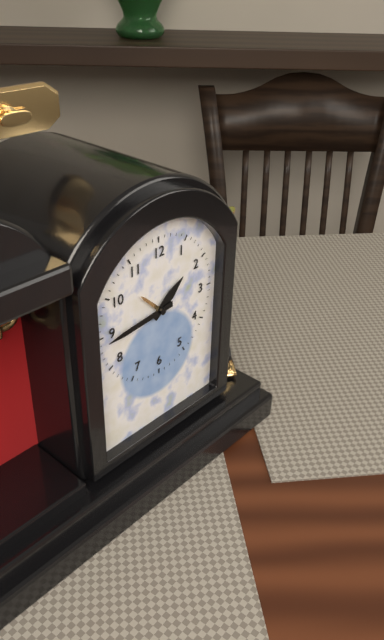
1,44
